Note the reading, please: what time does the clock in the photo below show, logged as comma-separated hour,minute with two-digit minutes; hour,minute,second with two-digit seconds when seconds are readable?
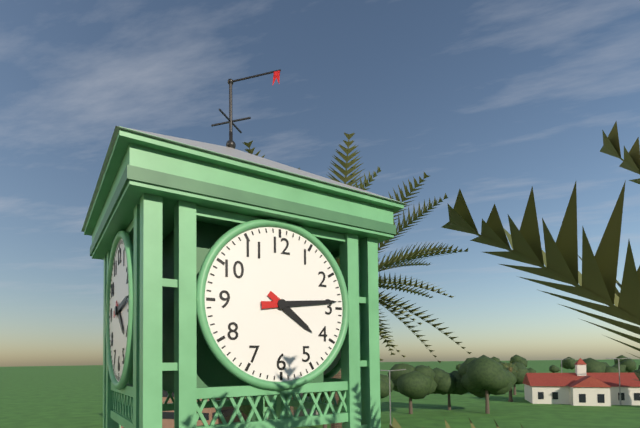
4,14
